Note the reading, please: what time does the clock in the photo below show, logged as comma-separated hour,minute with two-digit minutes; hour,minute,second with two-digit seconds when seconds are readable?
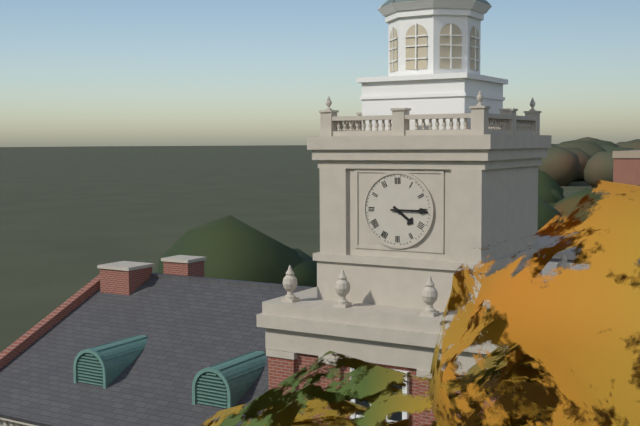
4,15
